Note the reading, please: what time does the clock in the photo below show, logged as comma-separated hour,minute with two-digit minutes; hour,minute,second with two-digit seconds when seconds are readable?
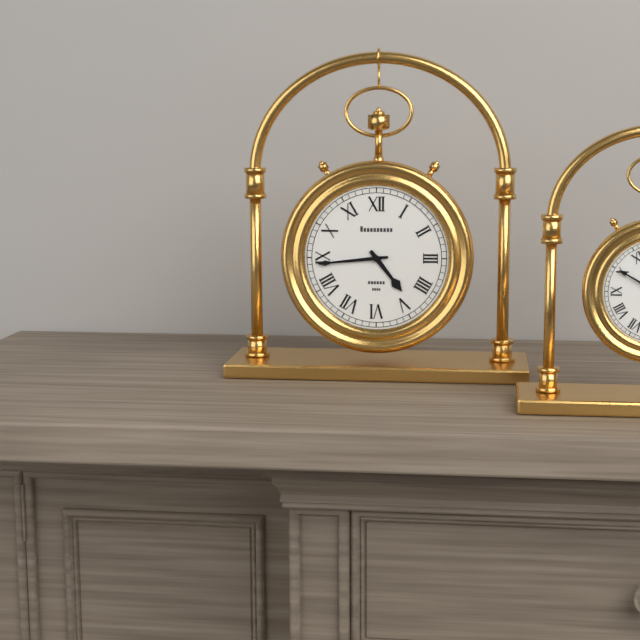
4,44
